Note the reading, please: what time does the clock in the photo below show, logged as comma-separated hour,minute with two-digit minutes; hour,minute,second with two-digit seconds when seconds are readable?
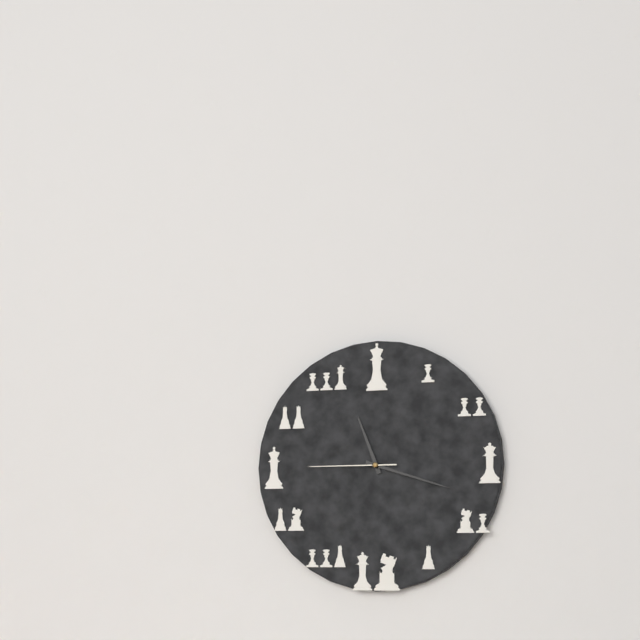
11,18,45
